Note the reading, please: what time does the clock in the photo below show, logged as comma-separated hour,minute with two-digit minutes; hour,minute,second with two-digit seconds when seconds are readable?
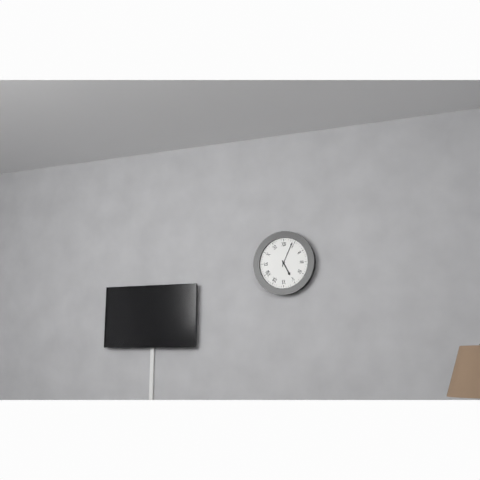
5,04
